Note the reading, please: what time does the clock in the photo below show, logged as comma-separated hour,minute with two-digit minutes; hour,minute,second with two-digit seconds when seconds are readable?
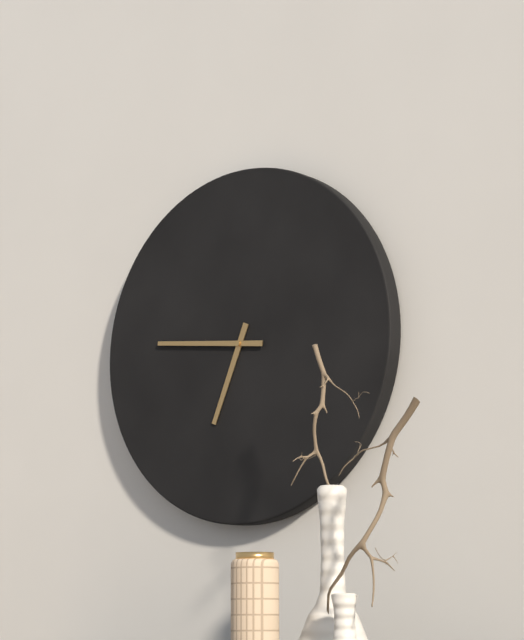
6,46
